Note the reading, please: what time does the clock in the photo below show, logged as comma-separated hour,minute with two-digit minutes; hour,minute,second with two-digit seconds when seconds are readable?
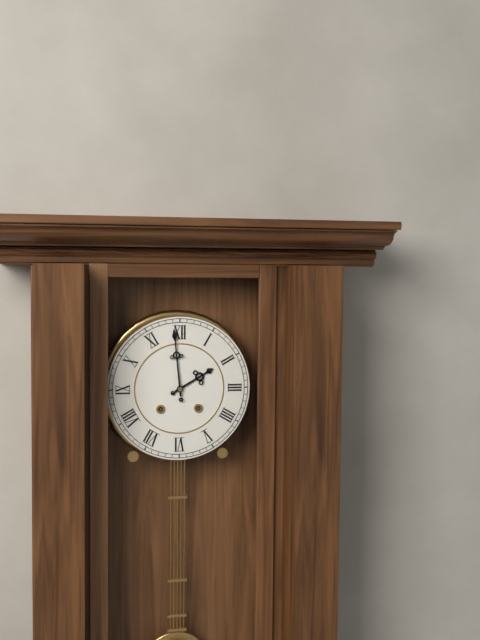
1,59
